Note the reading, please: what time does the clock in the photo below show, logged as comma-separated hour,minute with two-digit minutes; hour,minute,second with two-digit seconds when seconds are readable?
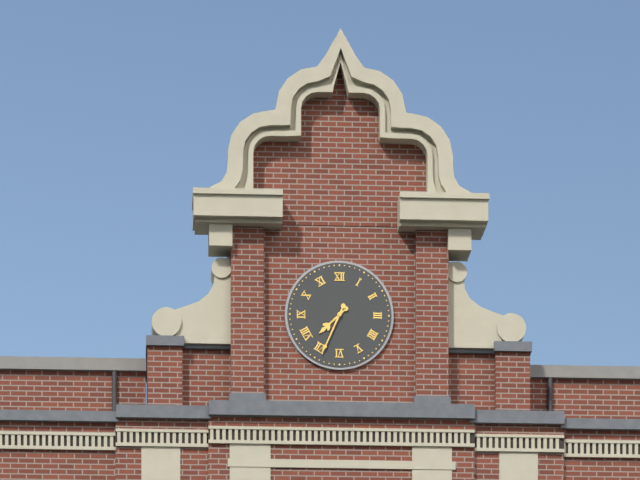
7,34
